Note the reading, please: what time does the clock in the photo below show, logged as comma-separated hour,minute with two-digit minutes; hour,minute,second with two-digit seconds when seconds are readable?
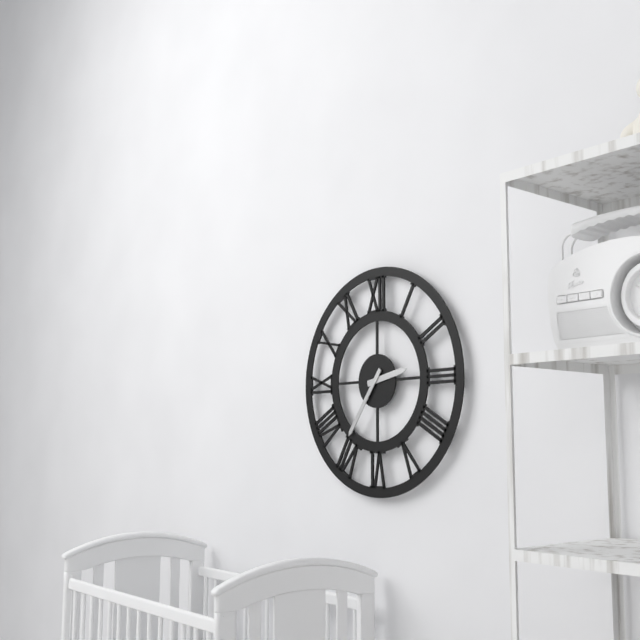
2,36
